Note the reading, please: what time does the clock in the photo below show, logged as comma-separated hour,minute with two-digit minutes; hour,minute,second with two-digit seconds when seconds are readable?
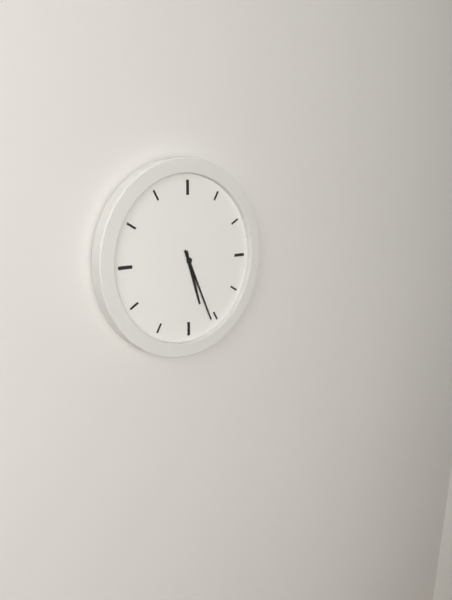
5,26
